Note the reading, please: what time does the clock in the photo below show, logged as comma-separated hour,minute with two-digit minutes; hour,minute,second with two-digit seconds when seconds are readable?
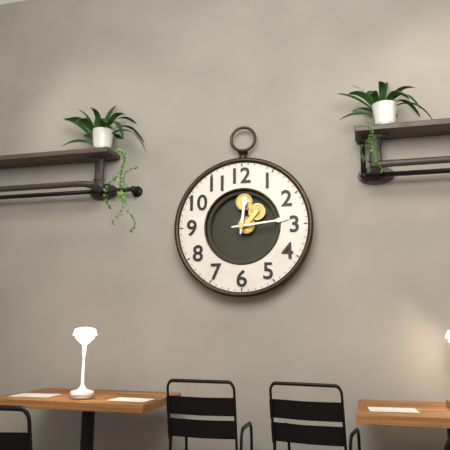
12,14
